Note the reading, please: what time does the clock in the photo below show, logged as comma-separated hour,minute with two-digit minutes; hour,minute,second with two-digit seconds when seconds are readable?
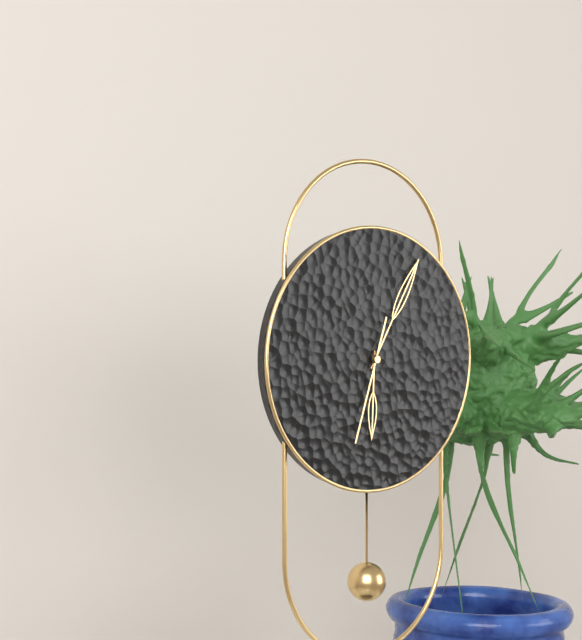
6,05,33
